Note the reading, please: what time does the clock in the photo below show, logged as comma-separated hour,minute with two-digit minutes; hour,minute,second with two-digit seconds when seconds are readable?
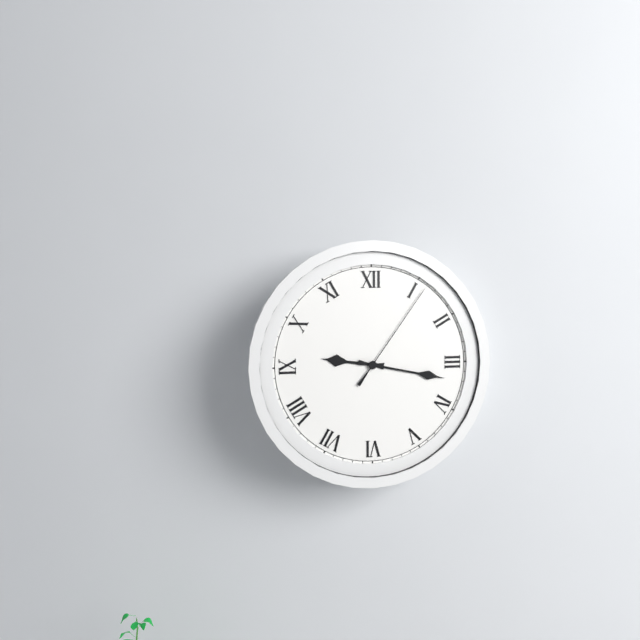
9,17,06
